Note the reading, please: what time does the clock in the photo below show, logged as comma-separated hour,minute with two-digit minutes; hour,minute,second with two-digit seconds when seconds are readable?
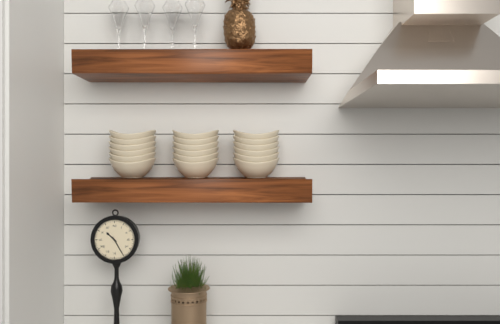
10,25
